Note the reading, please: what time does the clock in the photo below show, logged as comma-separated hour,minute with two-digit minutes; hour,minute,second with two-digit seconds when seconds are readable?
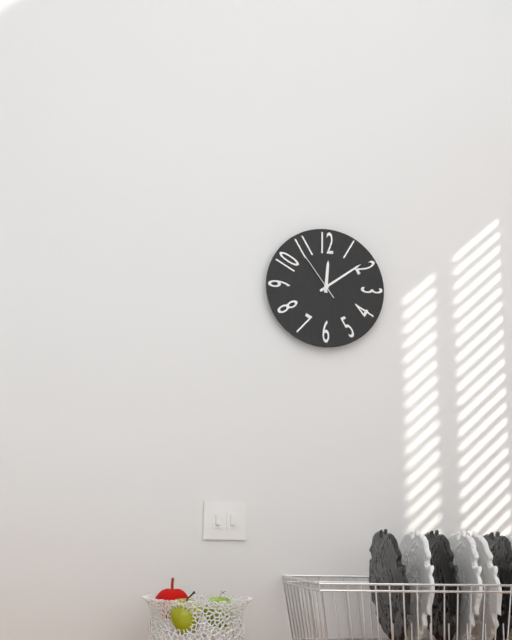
12,09,54
